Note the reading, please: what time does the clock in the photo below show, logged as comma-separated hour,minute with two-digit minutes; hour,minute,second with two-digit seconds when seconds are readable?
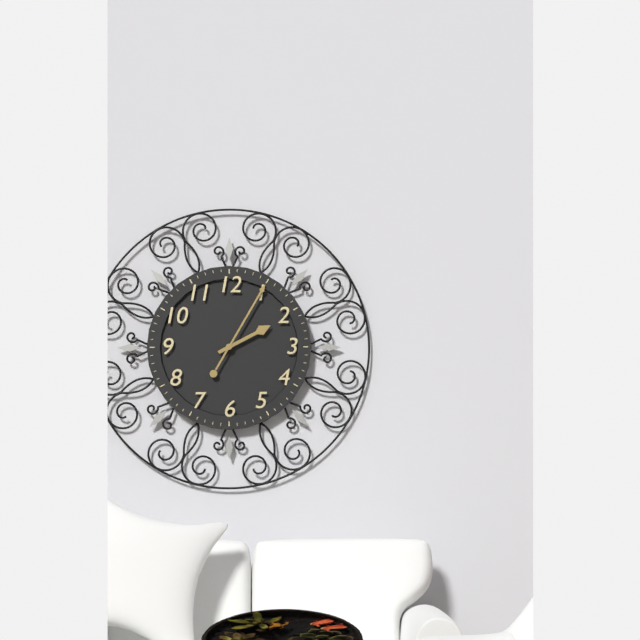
2,05
